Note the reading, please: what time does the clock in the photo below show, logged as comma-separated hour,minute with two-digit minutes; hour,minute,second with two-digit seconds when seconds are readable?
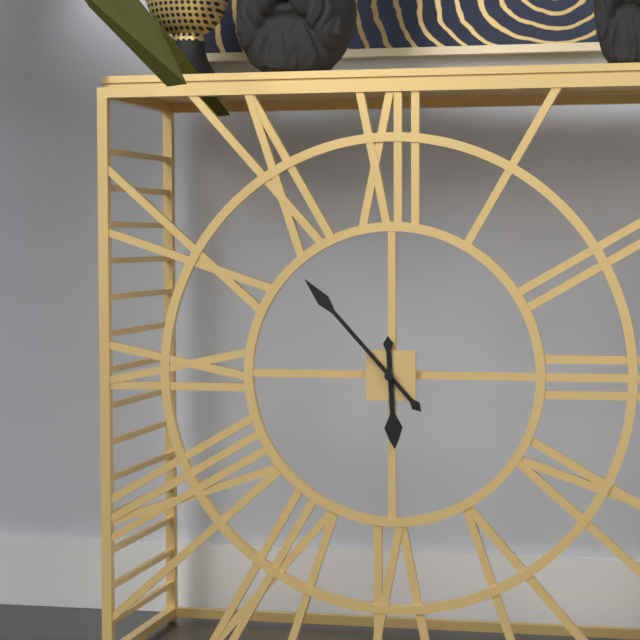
5,53
